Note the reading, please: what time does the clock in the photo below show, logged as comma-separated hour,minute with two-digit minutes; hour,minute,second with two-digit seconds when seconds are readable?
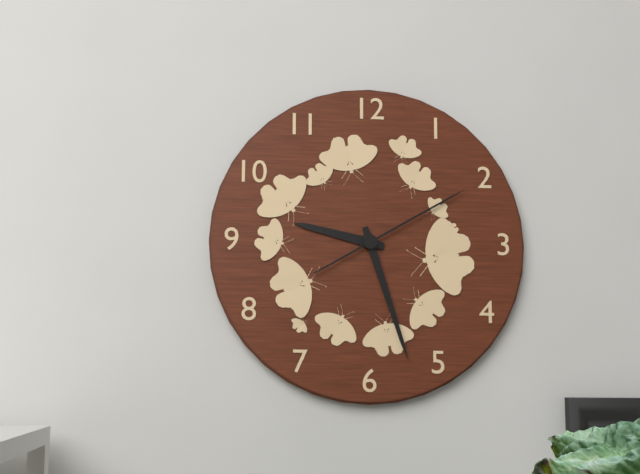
9,27,10
